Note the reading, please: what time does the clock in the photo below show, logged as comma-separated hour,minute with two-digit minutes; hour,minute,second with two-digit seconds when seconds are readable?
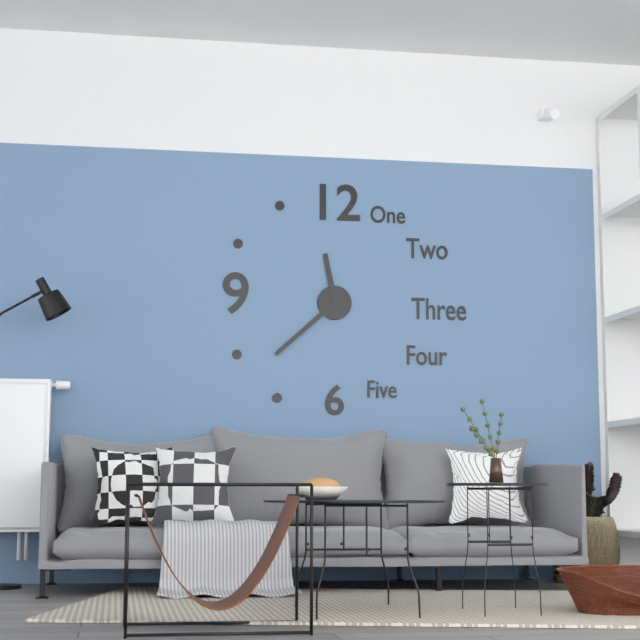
11,38
